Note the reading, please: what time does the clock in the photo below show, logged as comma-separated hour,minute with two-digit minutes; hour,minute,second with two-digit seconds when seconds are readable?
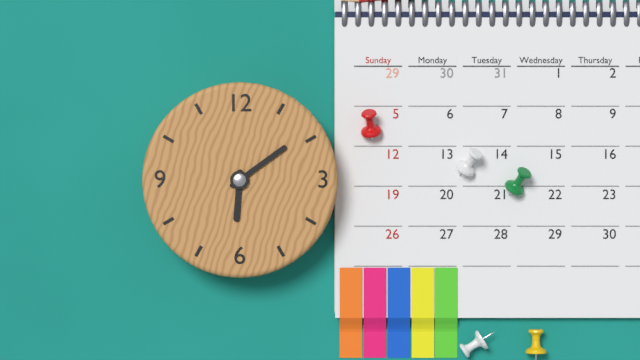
6,09
